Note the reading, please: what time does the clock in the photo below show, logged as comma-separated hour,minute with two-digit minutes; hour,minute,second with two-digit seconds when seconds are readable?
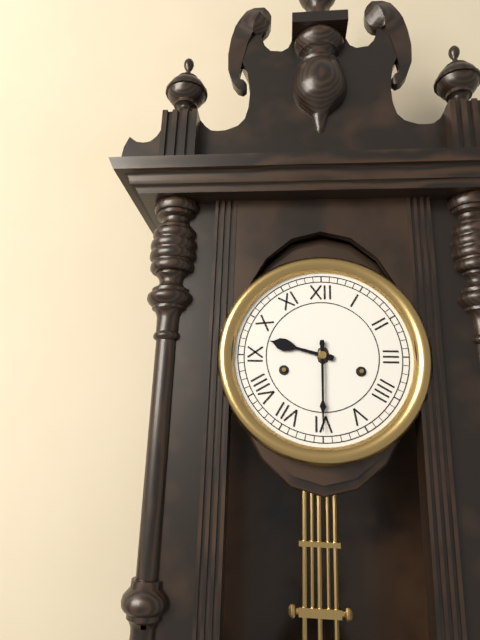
9,30
